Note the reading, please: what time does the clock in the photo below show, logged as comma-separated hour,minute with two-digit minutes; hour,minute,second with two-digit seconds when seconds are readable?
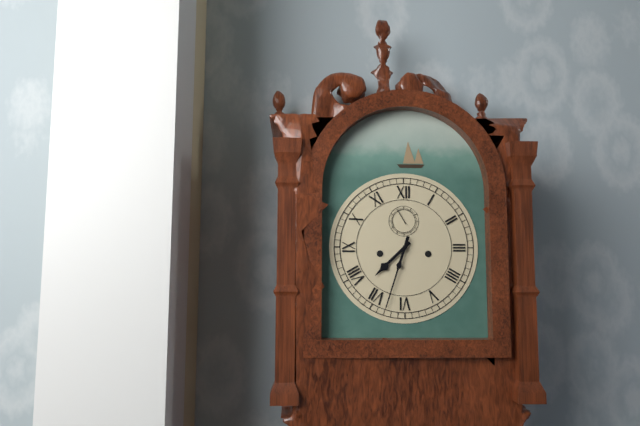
7,33
